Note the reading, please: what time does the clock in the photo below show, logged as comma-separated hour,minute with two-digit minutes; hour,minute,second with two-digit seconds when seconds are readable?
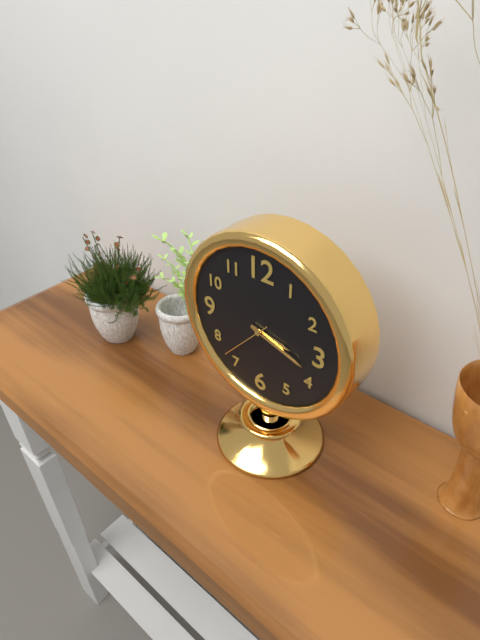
3,18
